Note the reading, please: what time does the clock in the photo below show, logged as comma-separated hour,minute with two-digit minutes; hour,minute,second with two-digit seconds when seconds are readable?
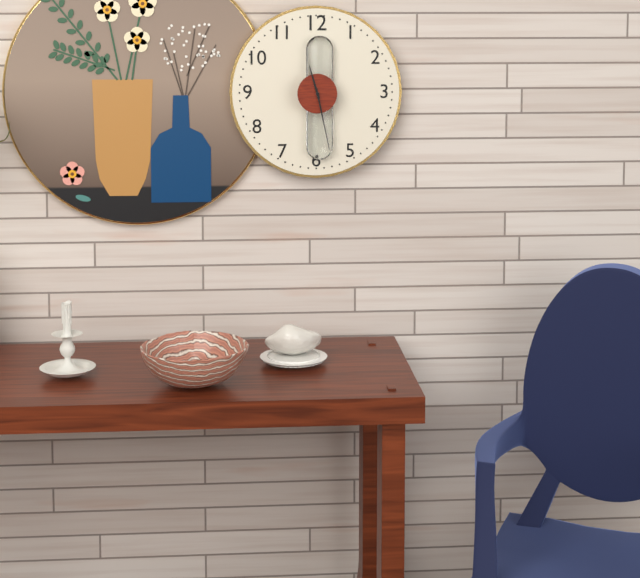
11,28
